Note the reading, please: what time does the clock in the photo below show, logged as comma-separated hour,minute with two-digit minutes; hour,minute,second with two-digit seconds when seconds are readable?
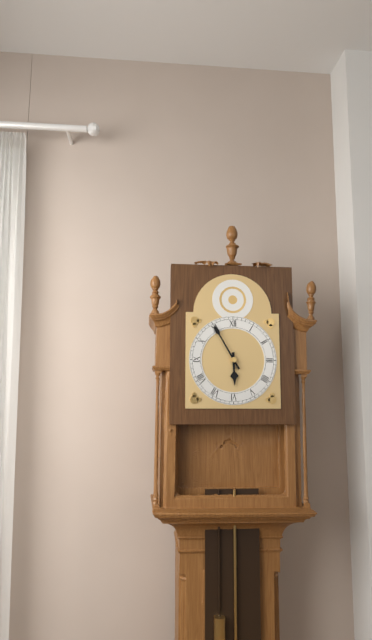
5,55
